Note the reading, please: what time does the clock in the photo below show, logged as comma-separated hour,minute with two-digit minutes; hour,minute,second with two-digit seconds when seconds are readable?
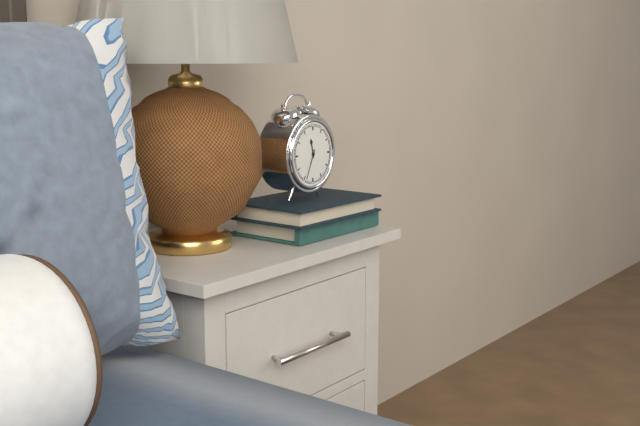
11,34
